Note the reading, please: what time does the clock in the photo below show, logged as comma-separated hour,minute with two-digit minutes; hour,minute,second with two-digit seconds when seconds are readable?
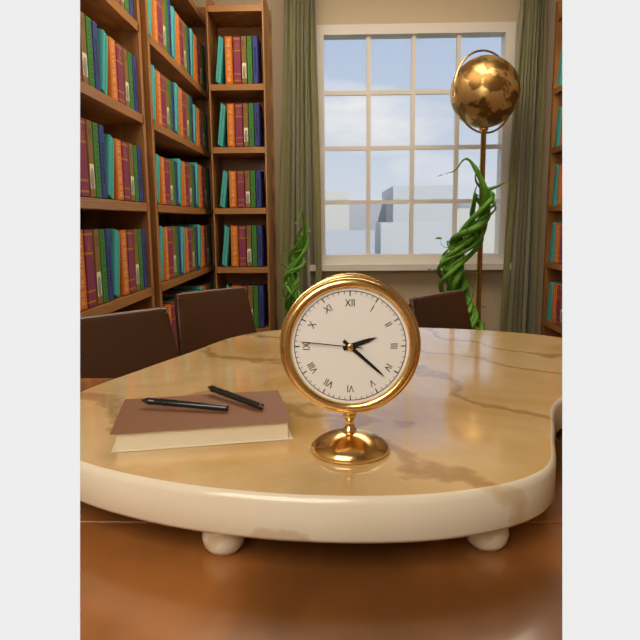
2,22,46
